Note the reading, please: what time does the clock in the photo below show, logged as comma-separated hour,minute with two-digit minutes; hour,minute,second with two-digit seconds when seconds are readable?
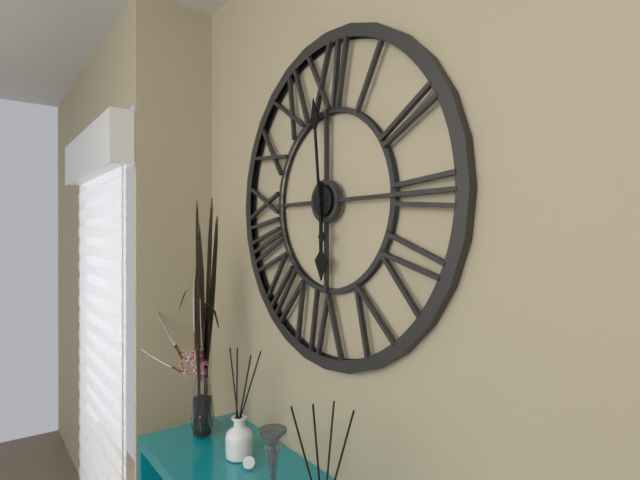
5,59
